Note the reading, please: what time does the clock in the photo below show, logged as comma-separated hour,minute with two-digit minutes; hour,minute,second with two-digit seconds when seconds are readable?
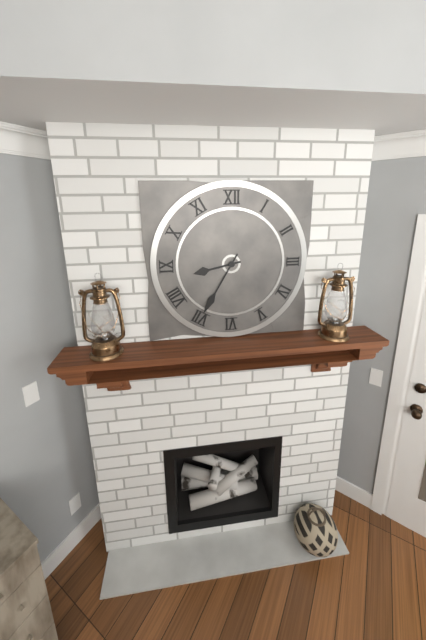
8,35
